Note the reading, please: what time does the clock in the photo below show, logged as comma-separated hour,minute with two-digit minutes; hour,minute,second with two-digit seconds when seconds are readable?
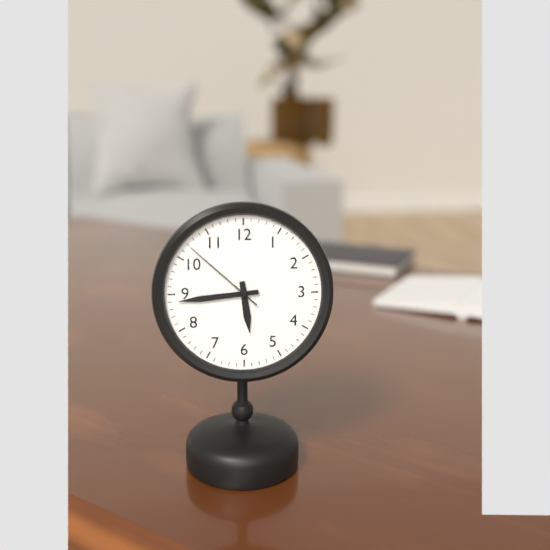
5,44,52
